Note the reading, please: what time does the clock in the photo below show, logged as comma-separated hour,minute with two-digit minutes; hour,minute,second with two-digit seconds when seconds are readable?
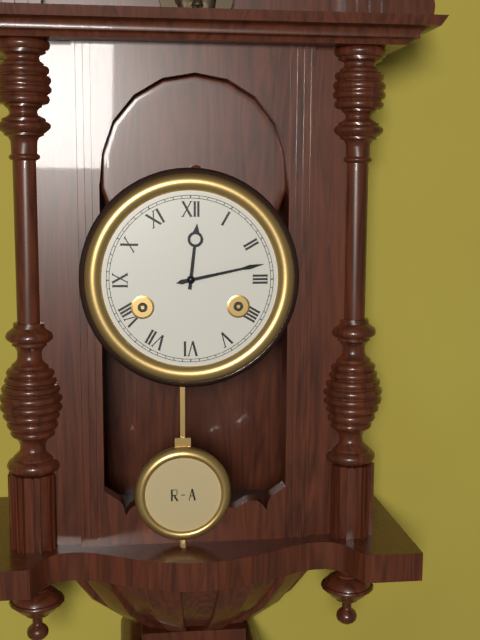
12,13
